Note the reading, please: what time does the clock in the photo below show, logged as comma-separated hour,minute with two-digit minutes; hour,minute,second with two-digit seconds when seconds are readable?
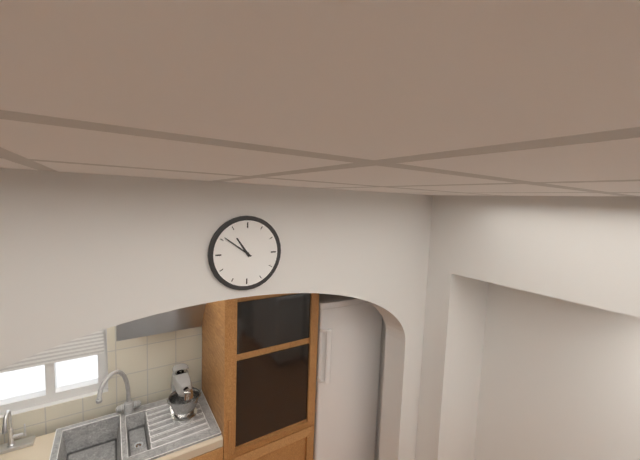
10,51
